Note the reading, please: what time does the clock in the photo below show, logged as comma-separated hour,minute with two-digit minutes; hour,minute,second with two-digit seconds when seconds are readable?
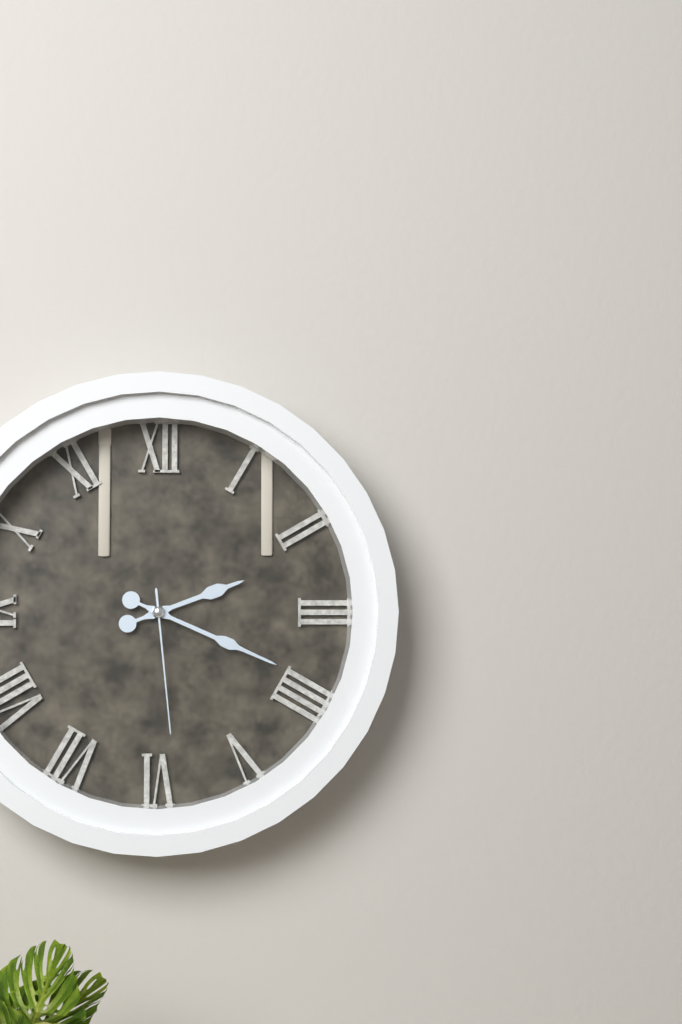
2,19,29
